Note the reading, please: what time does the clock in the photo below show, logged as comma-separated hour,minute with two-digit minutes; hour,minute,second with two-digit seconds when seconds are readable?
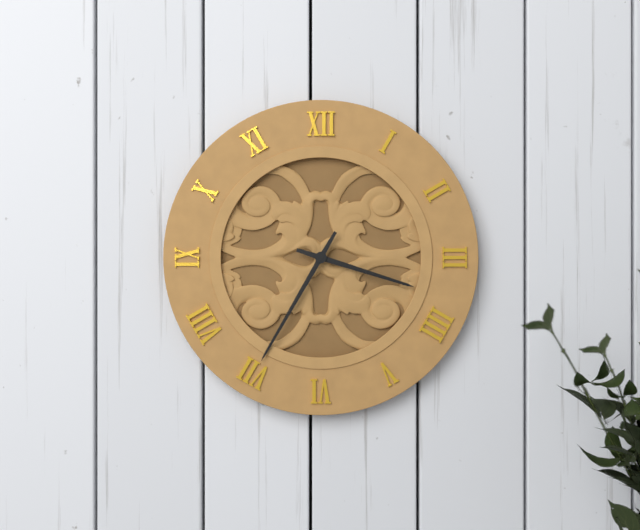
3,35
